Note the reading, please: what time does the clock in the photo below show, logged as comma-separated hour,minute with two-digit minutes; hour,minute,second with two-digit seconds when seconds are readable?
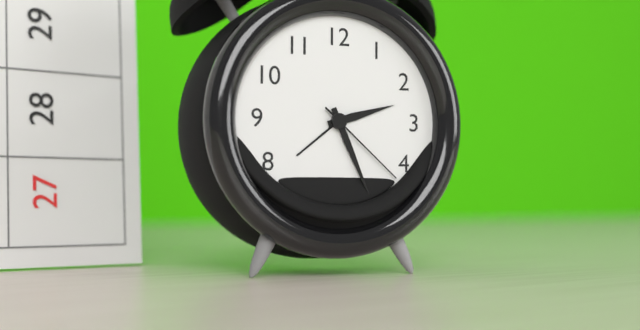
2,26,22
